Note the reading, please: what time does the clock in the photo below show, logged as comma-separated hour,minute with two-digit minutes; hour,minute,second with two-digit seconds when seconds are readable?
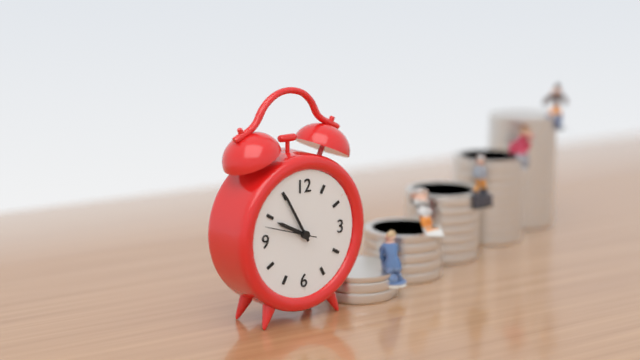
9,55,48
